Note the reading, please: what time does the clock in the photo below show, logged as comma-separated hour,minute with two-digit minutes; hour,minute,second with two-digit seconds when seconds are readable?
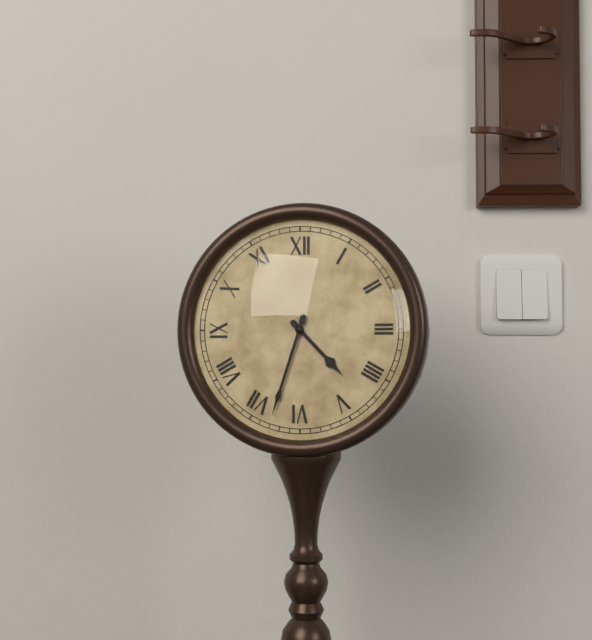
4,33
